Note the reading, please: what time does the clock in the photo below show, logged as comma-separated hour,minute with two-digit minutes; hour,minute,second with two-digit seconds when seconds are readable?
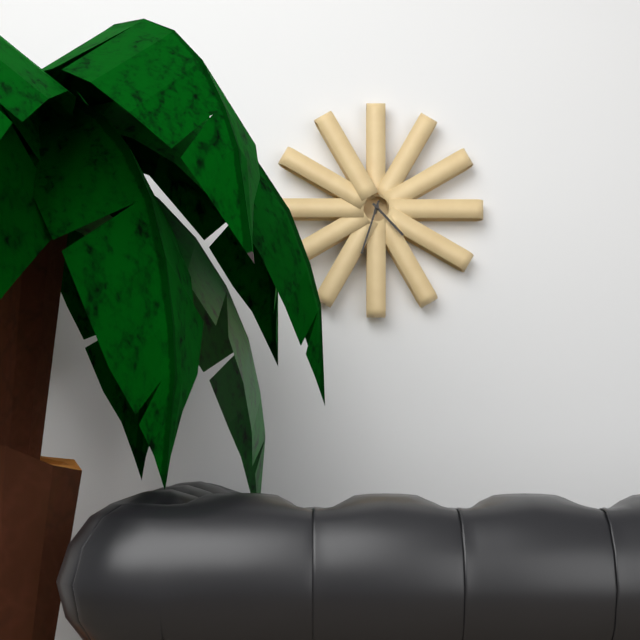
4,33
